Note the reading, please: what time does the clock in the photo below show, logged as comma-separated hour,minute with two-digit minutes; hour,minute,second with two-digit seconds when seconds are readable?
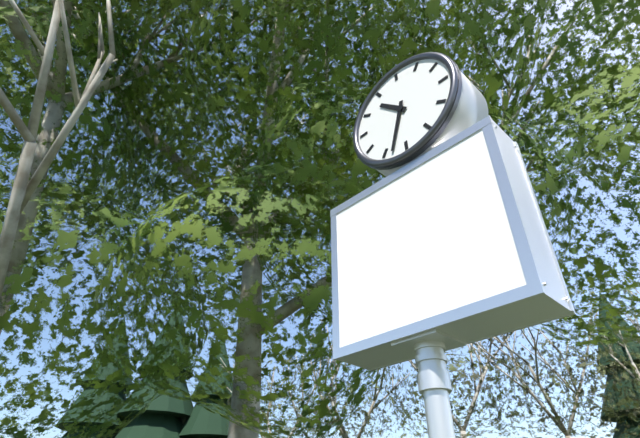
10,33
